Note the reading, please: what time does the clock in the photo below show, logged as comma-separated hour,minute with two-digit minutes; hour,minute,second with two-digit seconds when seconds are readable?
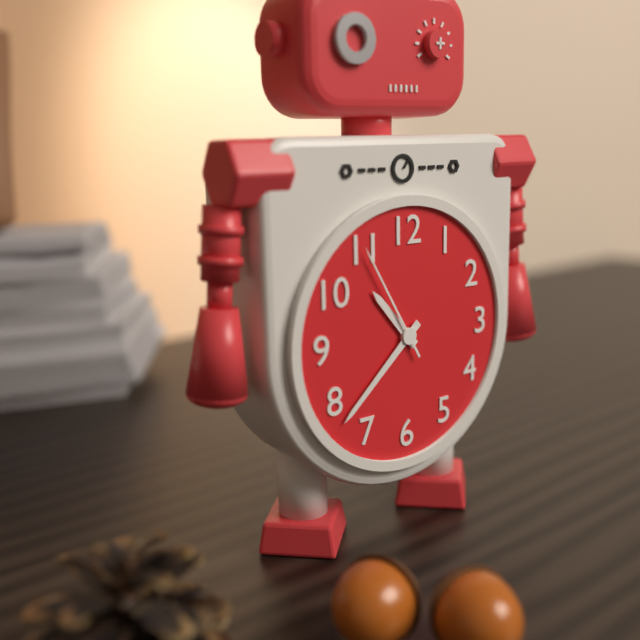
10,38,55
